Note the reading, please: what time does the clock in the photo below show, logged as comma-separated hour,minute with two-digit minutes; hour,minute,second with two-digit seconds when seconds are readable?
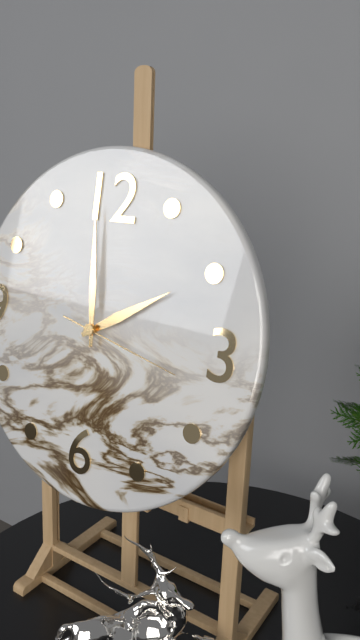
1,59,17
